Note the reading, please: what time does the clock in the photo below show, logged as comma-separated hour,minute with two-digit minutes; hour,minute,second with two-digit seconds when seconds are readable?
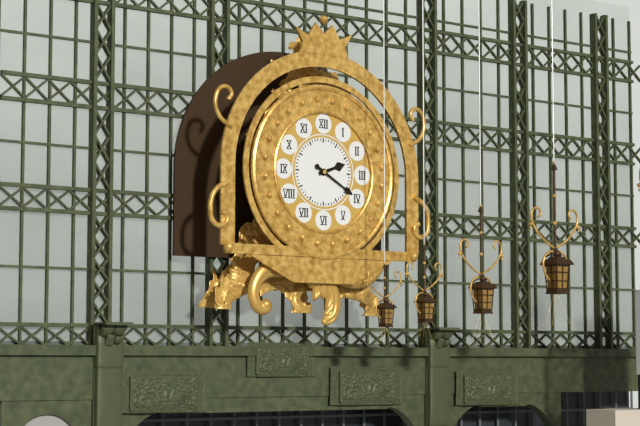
2,20
